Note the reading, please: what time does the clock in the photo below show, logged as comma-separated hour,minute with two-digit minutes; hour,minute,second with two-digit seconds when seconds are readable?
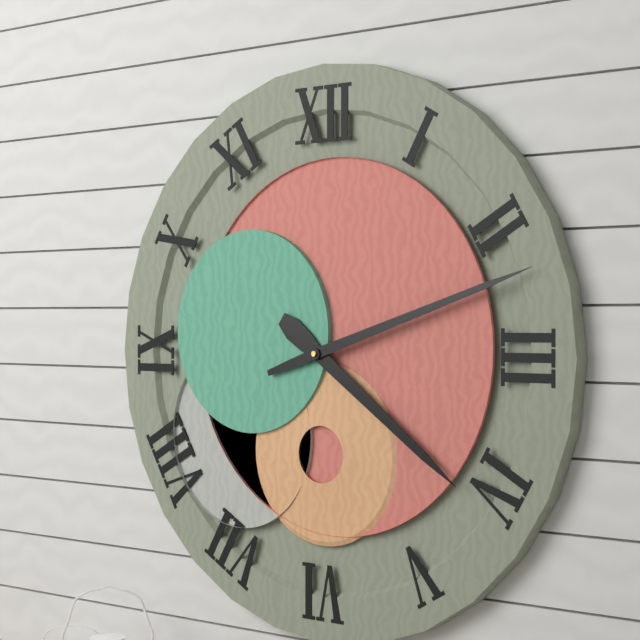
4,12
